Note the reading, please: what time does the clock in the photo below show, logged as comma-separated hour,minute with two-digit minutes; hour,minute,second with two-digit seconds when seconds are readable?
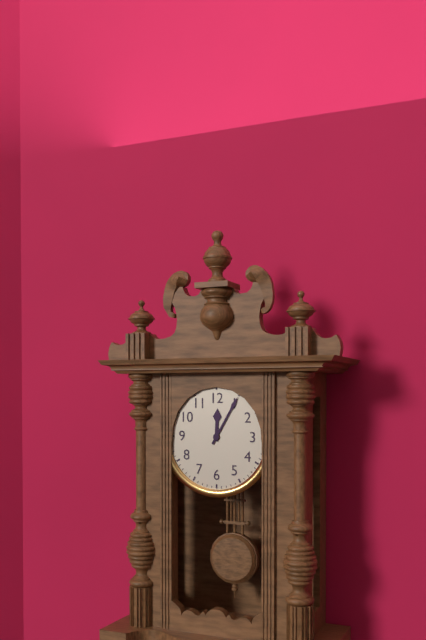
12,05
